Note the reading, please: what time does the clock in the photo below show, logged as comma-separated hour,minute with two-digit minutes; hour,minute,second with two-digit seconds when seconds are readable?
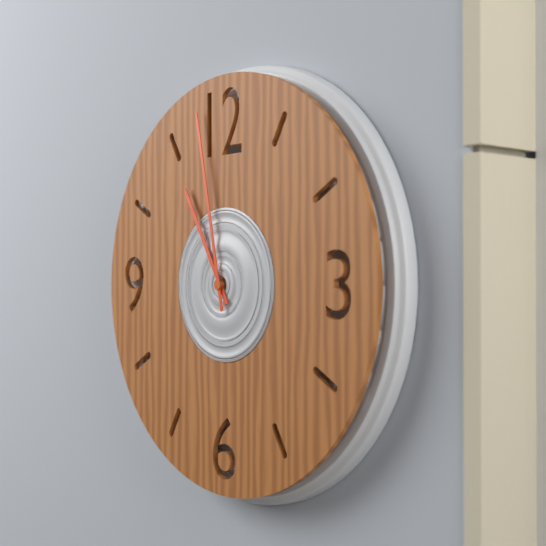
10,58
